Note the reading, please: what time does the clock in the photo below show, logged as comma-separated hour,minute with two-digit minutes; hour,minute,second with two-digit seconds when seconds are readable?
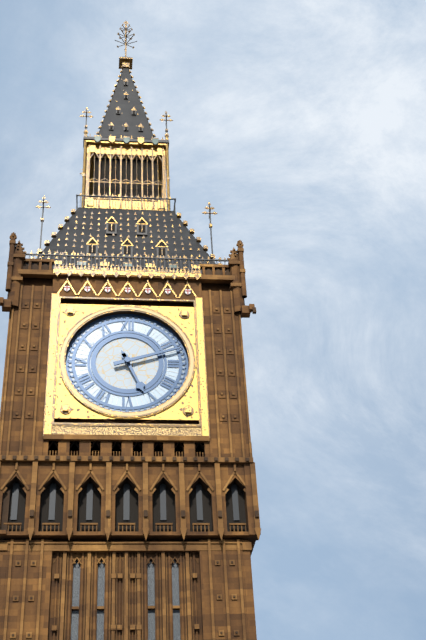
5,12
